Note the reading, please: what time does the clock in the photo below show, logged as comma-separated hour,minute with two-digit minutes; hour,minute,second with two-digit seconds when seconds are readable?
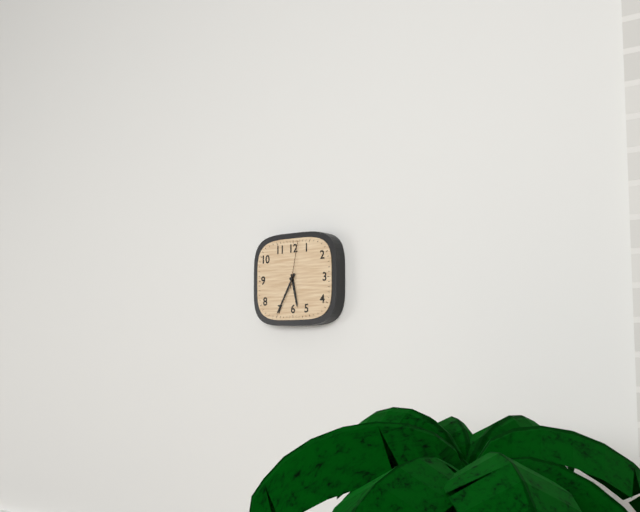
5,35
